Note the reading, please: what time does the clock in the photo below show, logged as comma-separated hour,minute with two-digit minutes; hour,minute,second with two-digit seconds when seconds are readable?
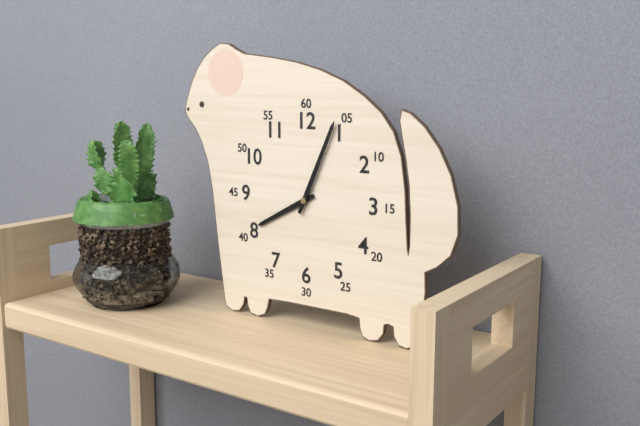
8,04
